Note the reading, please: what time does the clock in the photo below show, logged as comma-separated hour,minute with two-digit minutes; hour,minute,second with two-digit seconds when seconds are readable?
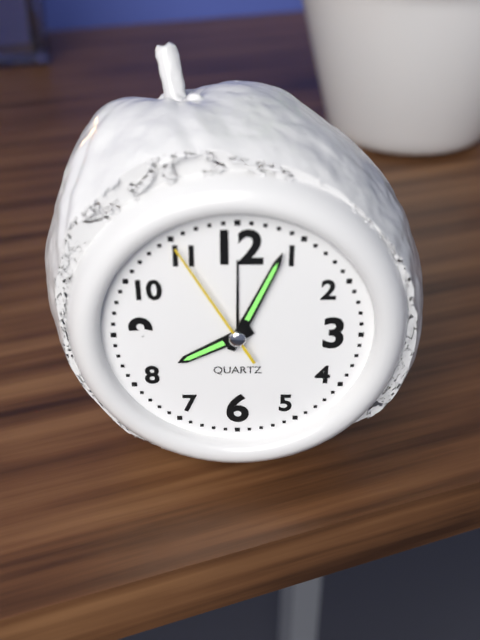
8,04,55
